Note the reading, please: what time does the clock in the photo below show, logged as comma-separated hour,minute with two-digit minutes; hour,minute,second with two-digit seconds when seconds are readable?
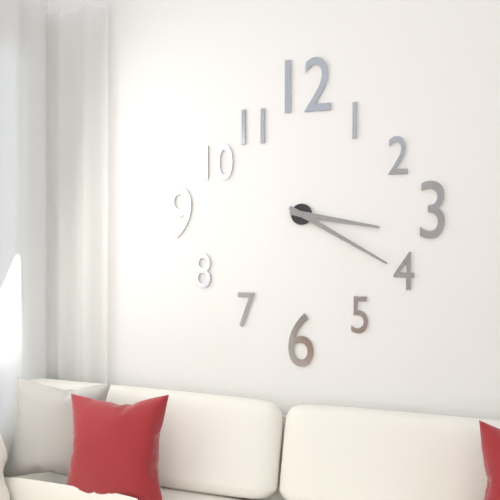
3,20
